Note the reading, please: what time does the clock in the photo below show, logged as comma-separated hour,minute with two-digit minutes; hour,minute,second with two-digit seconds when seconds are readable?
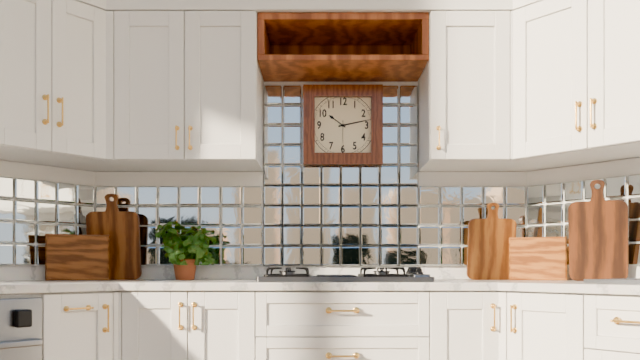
10,13
